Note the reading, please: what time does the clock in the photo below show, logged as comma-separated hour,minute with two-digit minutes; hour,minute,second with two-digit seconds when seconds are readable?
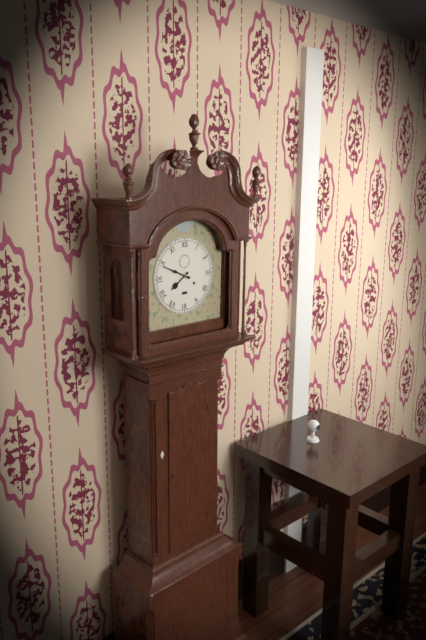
7,49
